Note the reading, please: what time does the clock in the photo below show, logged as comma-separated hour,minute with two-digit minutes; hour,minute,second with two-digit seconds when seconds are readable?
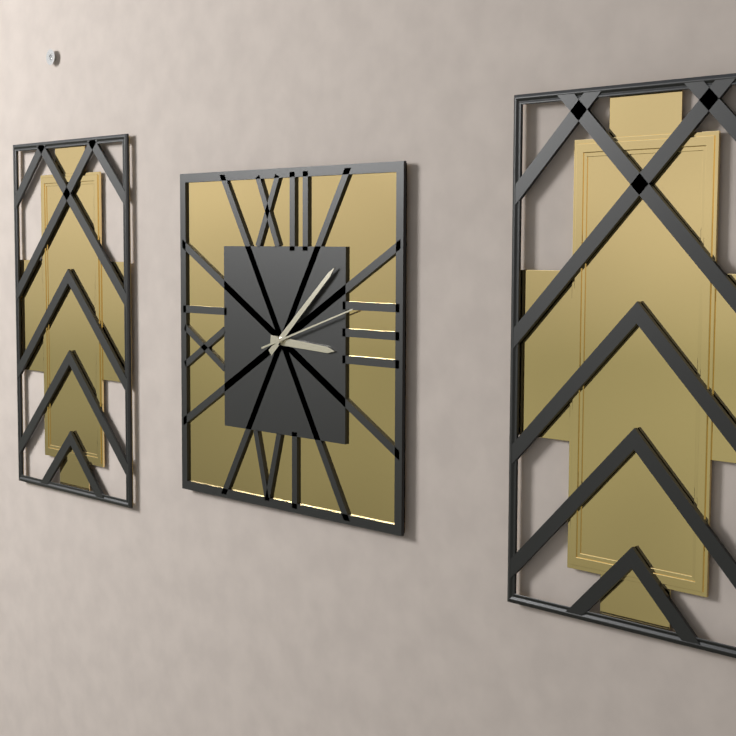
3,08,12
